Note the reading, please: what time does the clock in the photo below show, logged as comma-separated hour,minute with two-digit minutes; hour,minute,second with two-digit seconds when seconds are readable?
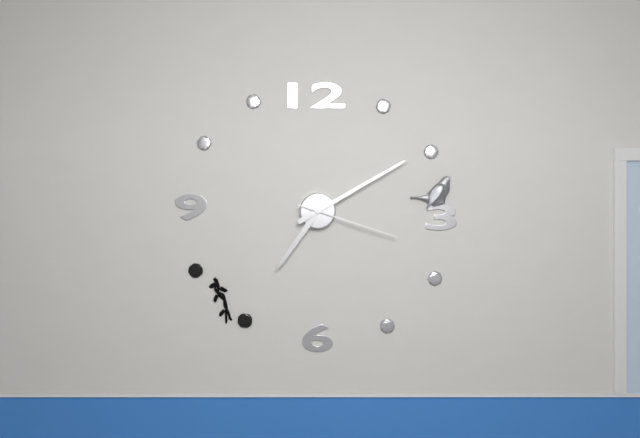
7,10,18
